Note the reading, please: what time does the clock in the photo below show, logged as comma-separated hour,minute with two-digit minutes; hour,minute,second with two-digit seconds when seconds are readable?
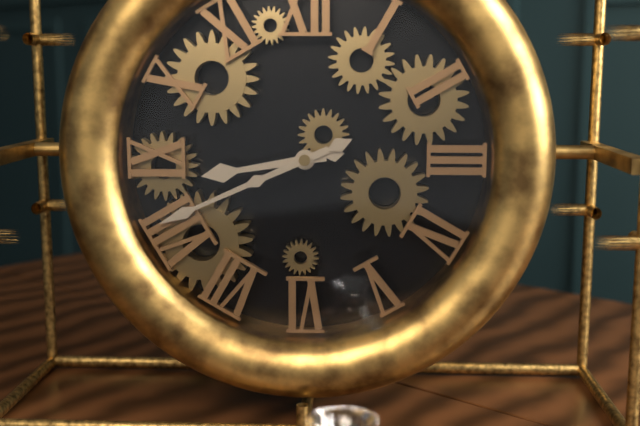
8,41
